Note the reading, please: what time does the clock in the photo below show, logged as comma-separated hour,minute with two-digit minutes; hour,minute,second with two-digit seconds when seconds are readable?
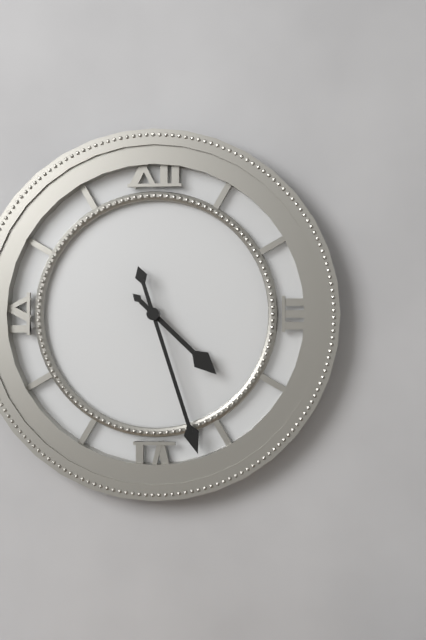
4,27
